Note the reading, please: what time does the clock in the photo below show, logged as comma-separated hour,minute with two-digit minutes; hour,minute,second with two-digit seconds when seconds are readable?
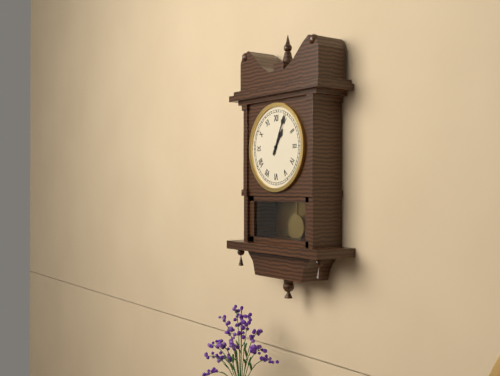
1,04
